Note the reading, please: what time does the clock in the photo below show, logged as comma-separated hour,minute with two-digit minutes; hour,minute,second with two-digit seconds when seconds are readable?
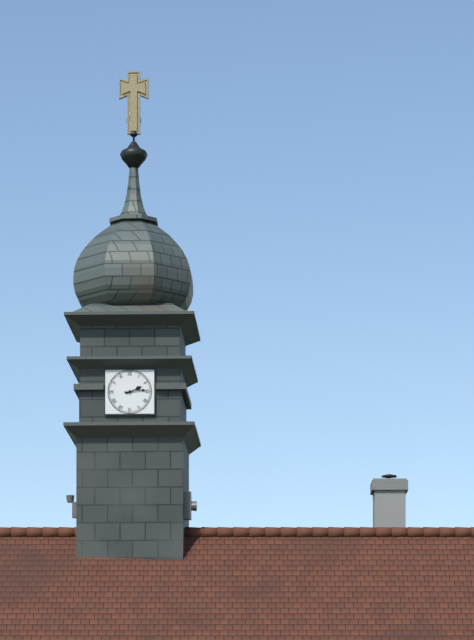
2,14
